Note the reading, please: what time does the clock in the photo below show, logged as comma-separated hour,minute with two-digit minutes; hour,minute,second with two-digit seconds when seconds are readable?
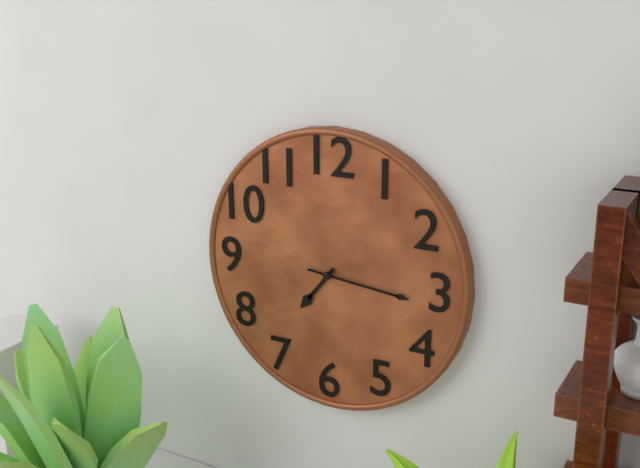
7,16
